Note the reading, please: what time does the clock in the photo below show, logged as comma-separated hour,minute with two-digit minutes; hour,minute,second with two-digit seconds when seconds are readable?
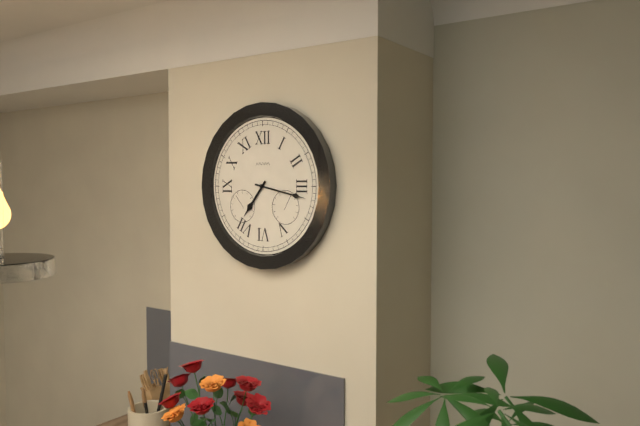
7,17
